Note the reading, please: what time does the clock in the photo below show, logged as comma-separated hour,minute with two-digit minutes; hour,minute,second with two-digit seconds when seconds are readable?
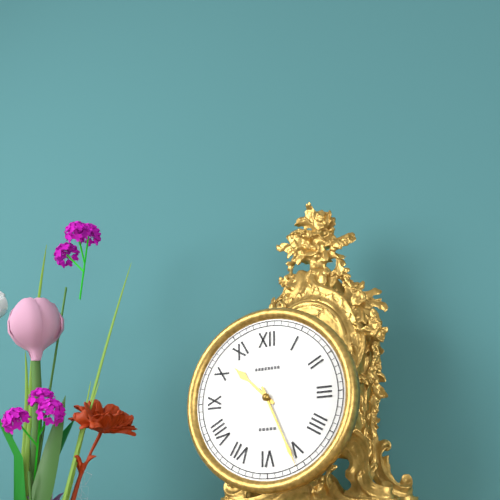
10,26
